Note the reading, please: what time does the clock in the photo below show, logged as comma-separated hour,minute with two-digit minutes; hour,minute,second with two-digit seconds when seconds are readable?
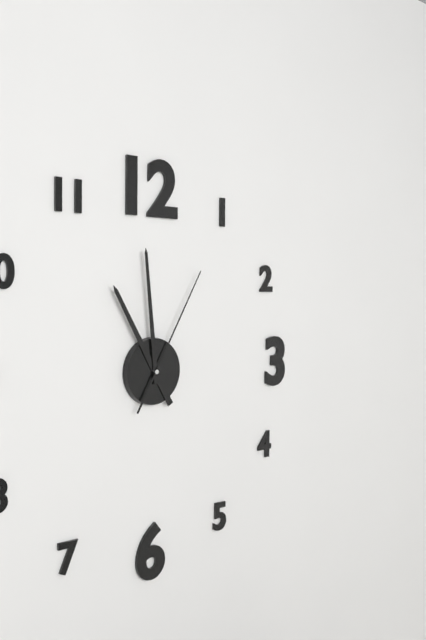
10,59,05
